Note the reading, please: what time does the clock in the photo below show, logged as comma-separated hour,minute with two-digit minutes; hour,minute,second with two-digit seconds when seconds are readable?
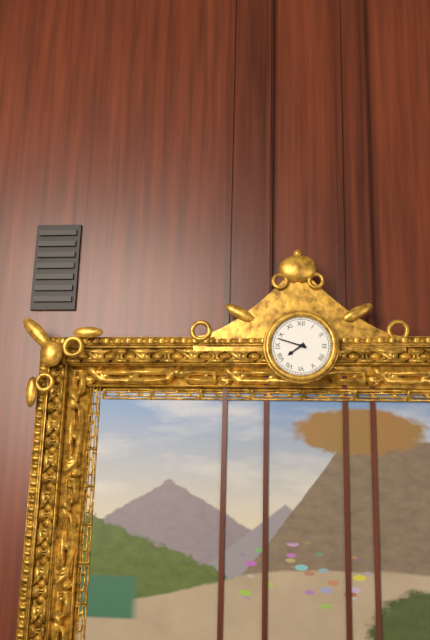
7,48
